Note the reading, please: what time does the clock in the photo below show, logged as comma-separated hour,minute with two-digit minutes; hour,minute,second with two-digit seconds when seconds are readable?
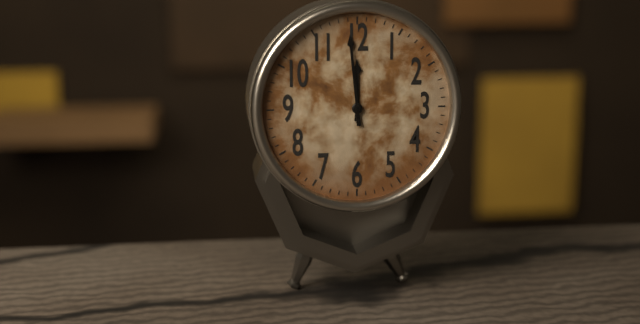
11,59
